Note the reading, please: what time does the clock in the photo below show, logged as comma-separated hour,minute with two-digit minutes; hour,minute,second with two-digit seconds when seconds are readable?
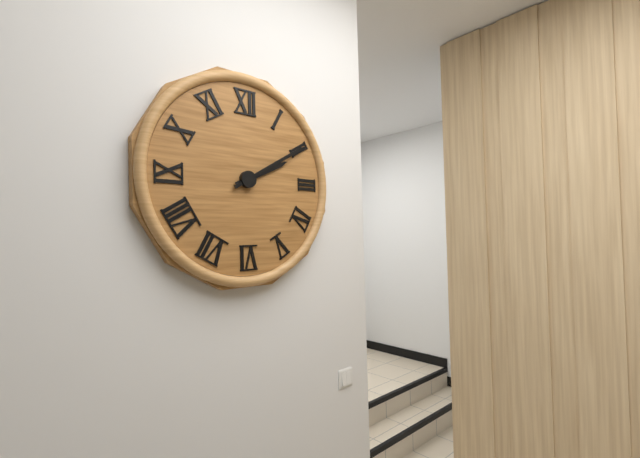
2,10
